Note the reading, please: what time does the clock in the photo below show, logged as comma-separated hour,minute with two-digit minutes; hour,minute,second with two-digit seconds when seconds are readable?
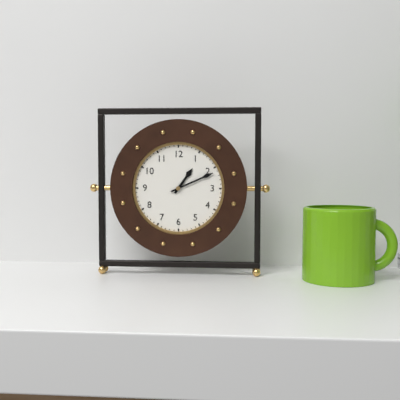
1,11
